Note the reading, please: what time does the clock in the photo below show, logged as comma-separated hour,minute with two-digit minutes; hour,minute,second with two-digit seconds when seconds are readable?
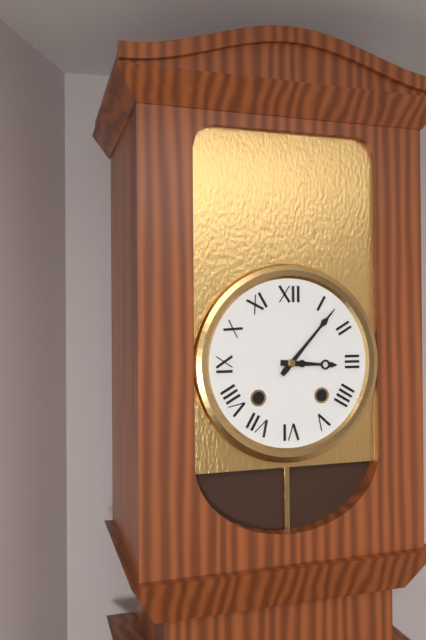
3,07
